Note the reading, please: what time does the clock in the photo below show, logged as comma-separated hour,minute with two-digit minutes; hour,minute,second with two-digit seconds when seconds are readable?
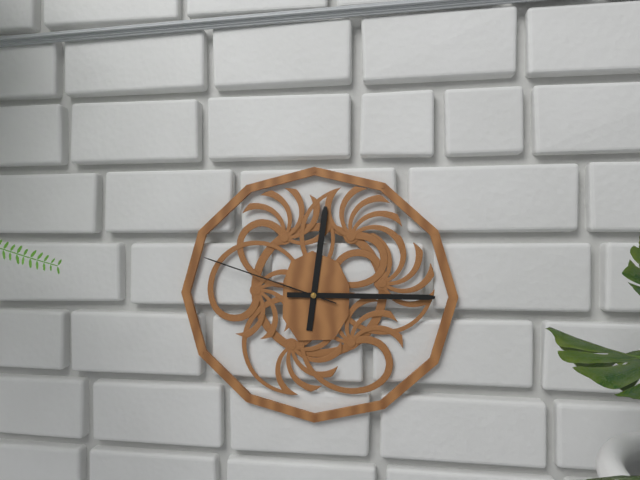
12,15,48
